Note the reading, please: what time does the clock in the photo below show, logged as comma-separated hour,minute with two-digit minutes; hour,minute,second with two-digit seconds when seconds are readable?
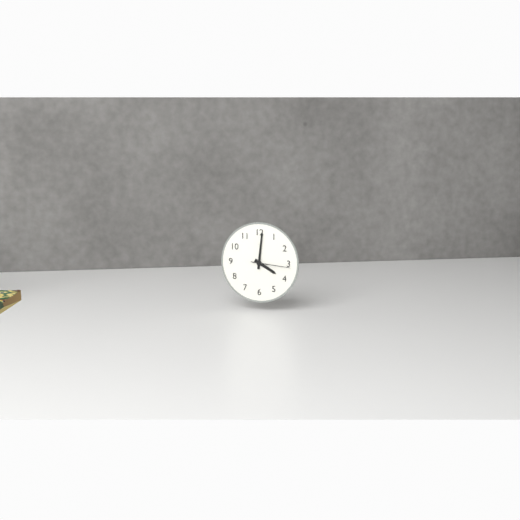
4,01
